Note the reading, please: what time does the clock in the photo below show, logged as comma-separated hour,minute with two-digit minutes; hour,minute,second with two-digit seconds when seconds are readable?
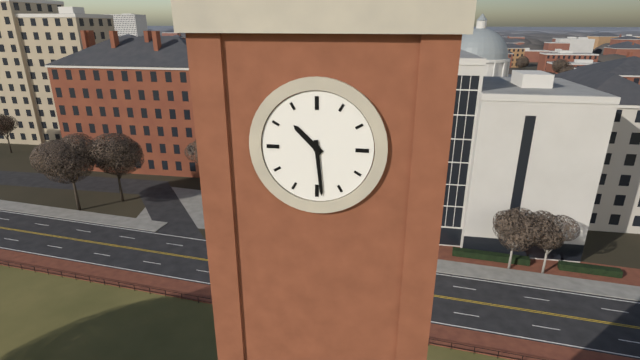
10,29
